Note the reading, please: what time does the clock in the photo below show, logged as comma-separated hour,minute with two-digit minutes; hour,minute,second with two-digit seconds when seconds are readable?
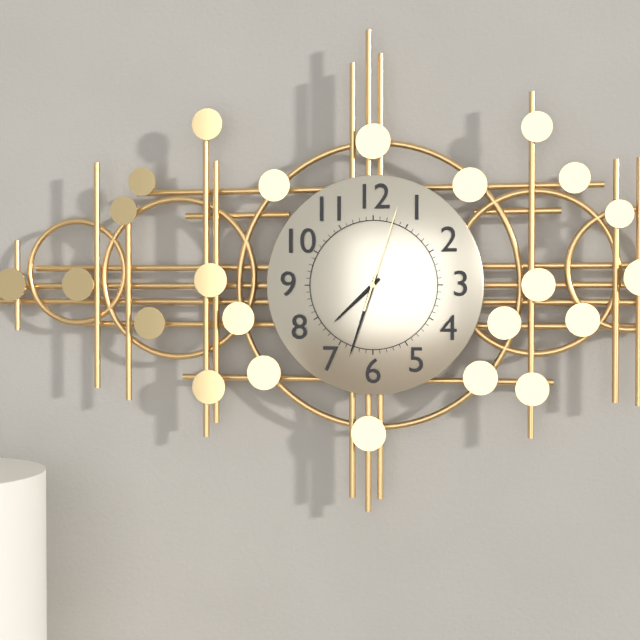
7,33,03
